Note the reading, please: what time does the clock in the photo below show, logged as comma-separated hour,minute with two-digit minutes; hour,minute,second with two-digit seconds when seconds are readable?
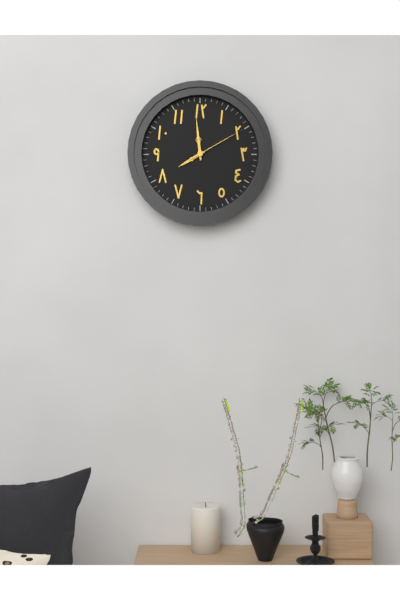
7,59,10
